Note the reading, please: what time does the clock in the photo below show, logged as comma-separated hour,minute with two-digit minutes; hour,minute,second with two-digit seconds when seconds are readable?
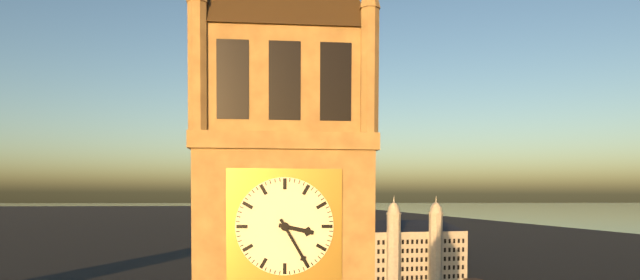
3,25
